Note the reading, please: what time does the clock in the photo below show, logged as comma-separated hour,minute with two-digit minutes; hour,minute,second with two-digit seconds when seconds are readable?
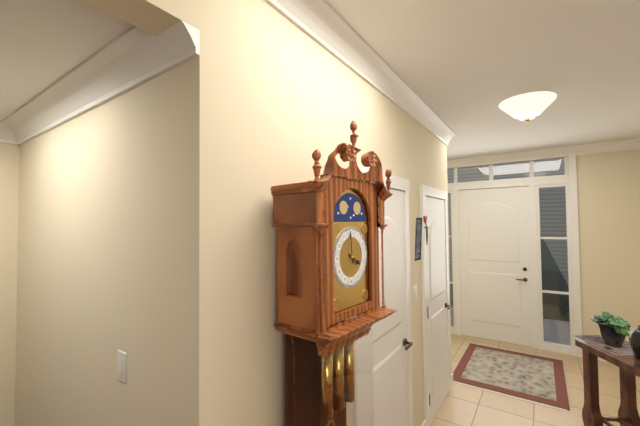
3,59
